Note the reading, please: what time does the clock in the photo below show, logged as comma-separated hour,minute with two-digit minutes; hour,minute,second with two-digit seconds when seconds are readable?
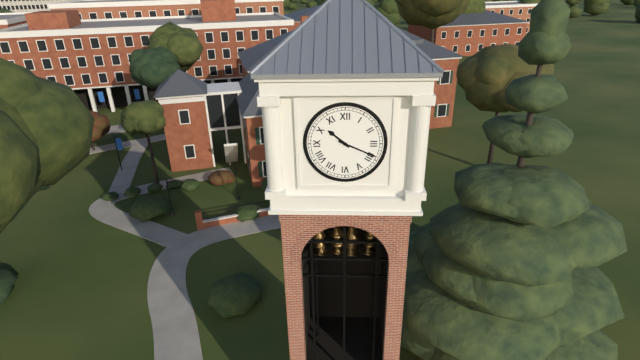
10,19
